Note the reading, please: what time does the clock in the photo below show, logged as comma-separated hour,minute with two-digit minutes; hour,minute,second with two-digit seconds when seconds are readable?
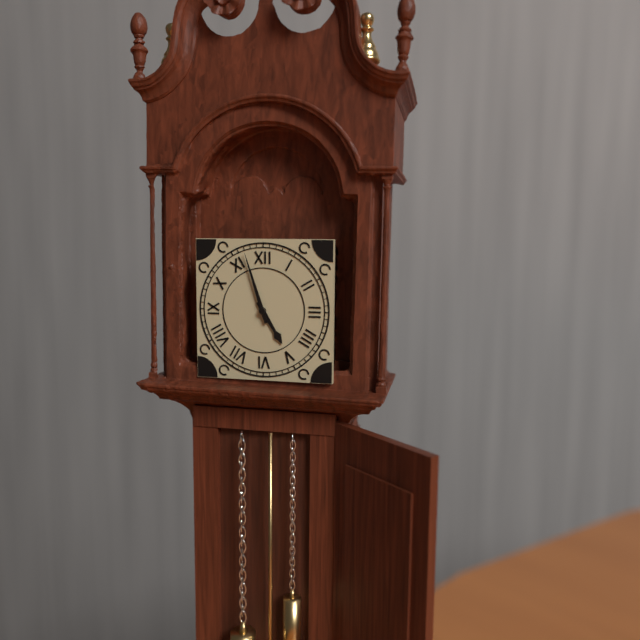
4,57
